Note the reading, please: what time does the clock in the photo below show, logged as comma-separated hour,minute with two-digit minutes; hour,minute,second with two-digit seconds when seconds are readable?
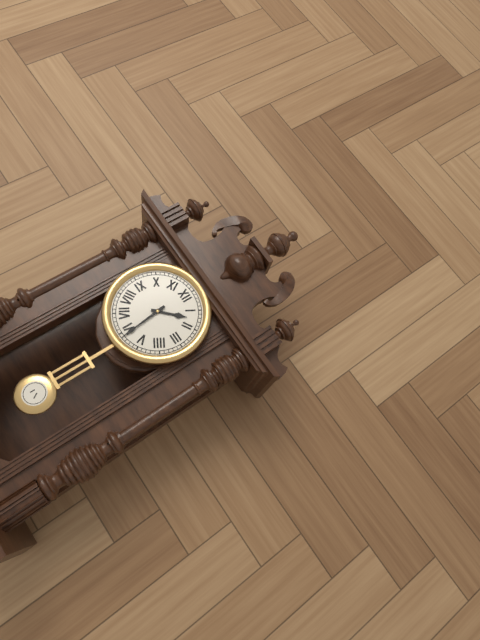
1,29
